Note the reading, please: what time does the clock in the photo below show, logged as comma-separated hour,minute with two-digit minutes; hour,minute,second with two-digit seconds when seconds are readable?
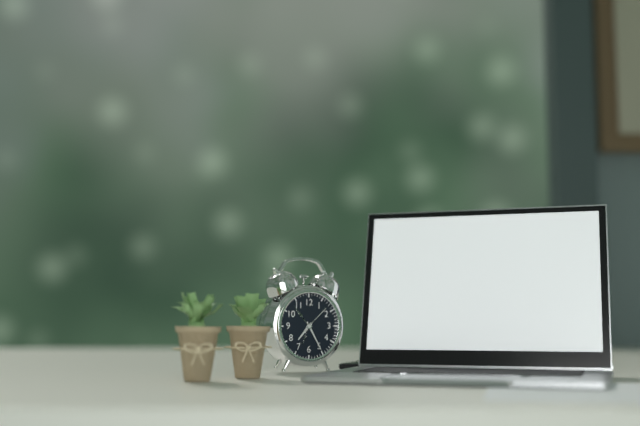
7,25
